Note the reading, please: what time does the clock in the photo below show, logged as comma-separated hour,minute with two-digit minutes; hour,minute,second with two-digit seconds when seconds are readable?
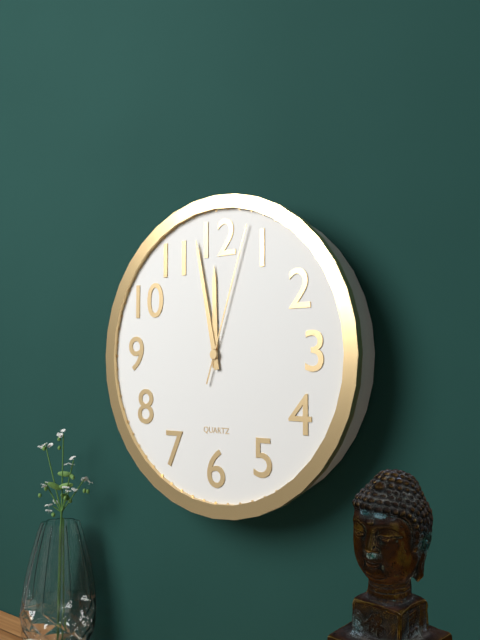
11,58,03
